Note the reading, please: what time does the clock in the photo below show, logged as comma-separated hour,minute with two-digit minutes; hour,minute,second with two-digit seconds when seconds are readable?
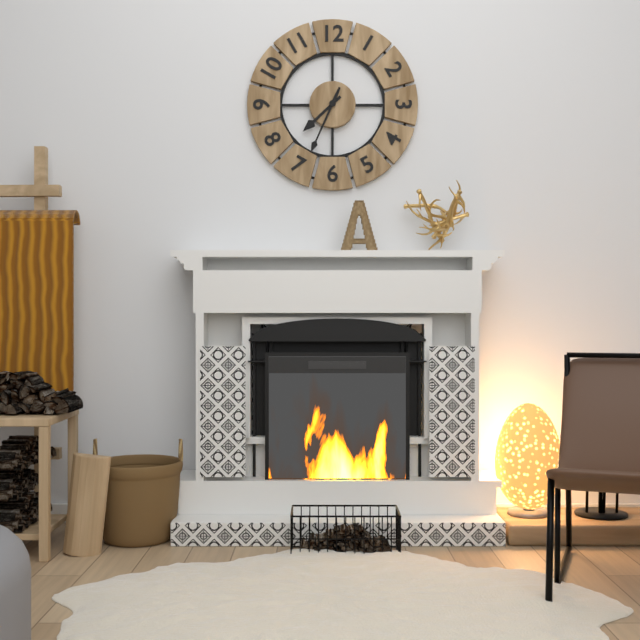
7,34
